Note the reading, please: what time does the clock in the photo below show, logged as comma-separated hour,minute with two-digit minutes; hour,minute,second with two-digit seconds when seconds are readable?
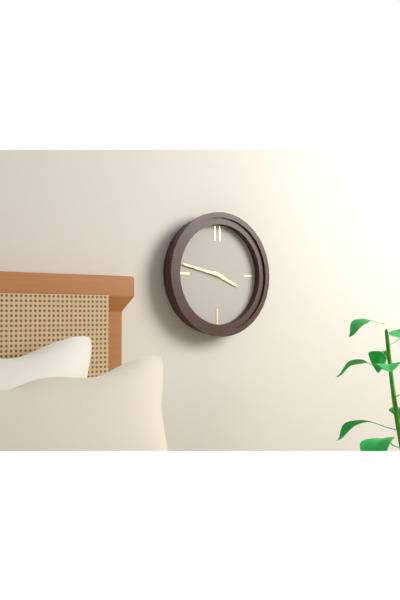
3,47
